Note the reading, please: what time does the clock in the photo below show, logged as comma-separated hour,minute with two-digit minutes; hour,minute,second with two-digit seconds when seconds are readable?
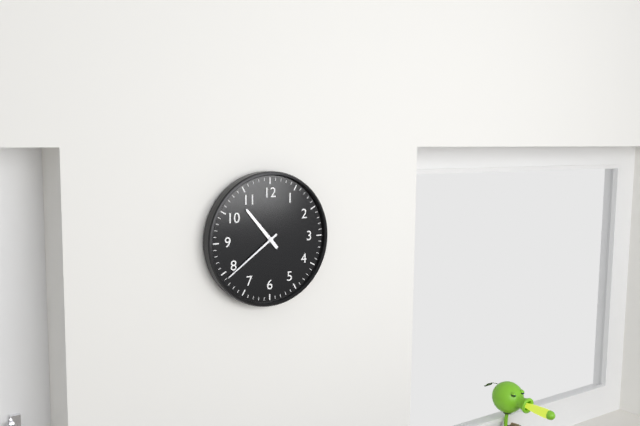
10,39
